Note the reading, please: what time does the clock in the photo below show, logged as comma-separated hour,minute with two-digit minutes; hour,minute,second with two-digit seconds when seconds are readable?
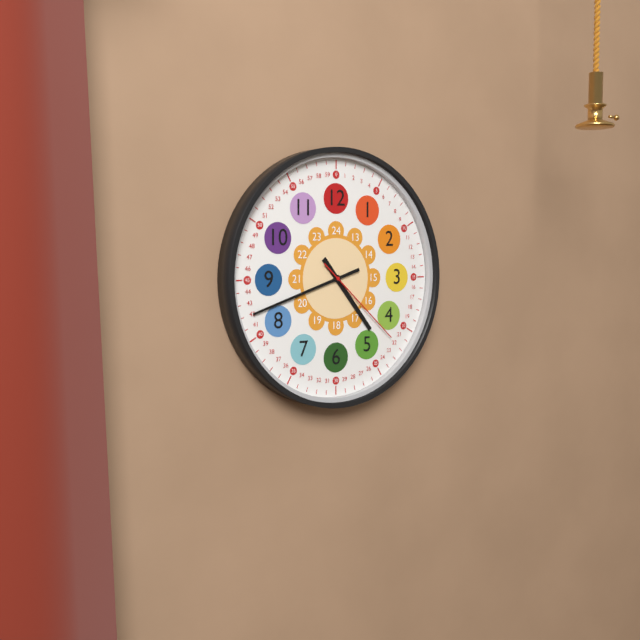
4,42,22
